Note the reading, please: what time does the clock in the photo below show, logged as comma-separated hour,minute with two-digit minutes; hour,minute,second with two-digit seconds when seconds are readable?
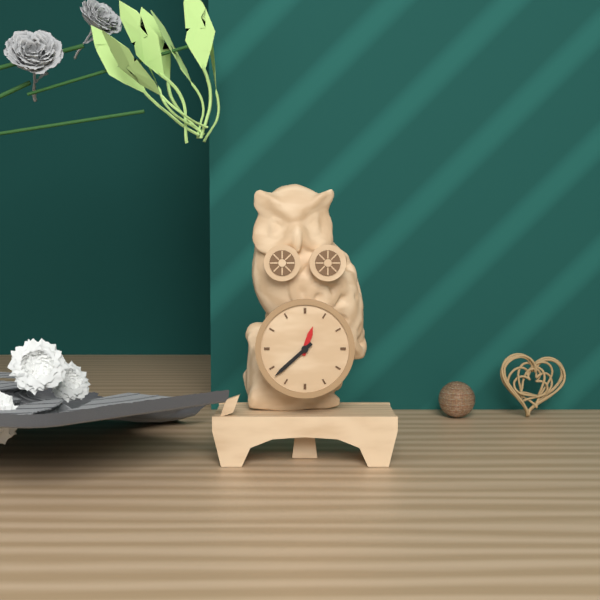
12,38
